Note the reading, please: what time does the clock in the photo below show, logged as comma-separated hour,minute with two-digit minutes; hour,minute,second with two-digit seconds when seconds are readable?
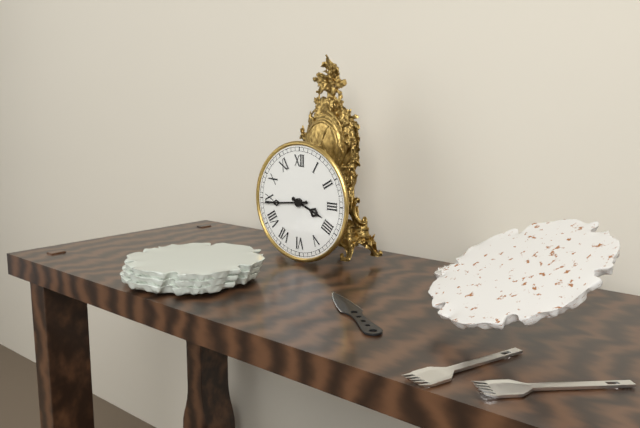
3,44
